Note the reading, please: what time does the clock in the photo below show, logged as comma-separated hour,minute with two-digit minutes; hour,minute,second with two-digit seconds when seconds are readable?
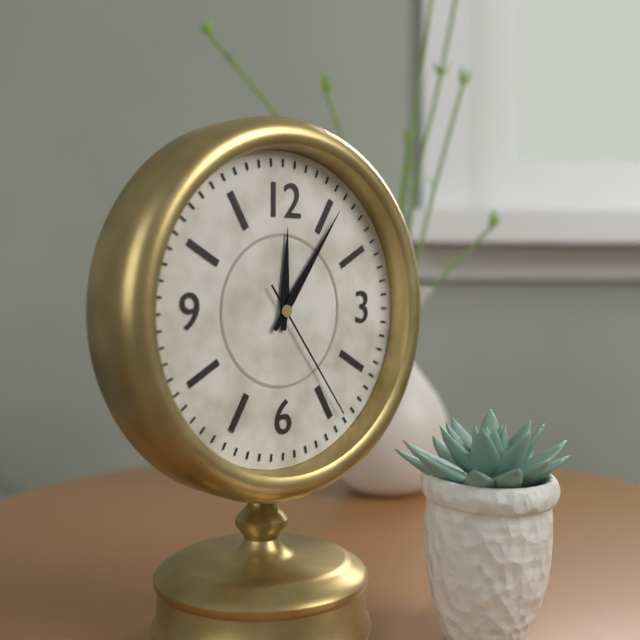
12,06,24
